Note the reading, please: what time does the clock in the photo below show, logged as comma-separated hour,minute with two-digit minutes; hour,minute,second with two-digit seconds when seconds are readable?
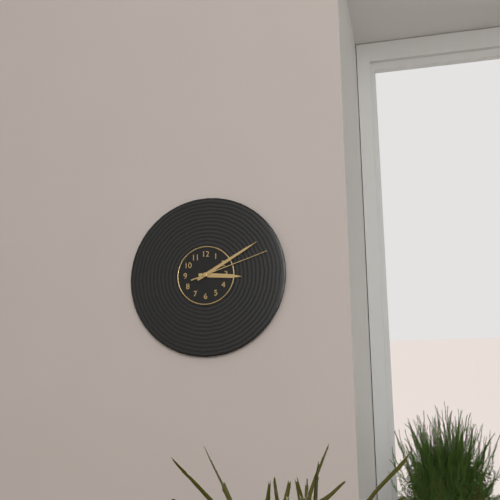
3,10,12
